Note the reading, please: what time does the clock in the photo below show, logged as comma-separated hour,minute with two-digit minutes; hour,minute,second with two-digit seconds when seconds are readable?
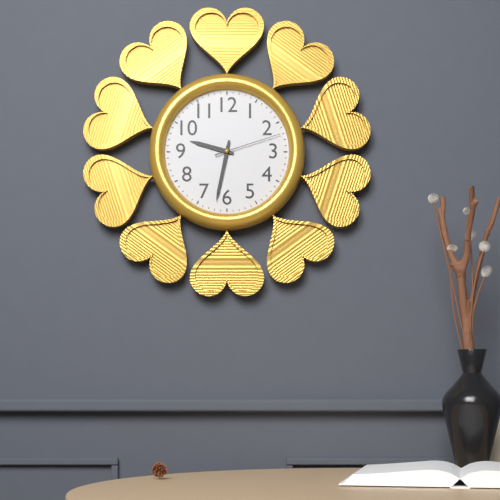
9,32,12
